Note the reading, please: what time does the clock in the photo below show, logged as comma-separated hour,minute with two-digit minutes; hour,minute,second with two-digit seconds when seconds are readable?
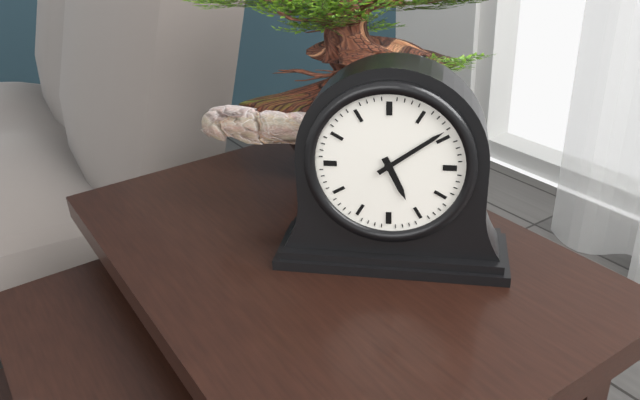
5,09
